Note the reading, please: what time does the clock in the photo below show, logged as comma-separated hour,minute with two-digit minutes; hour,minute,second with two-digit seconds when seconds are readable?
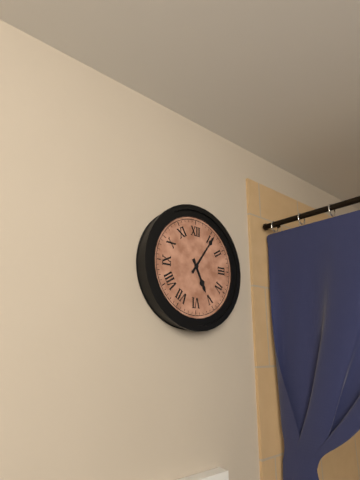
5,06
